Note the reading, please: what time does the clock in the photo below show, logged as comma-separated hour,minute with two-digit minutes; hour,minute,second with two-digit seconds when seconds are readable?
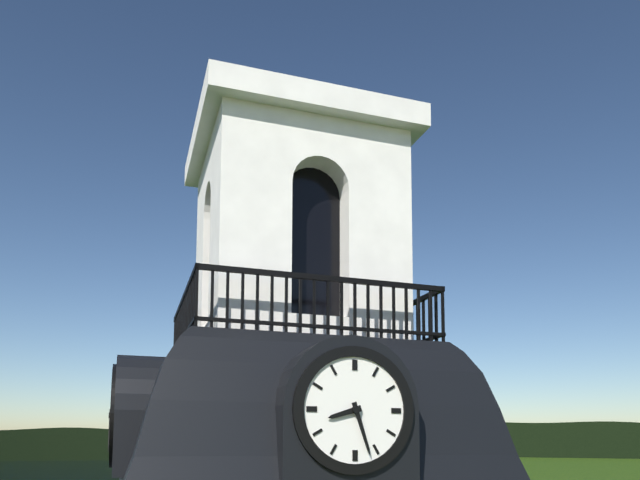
8,27
